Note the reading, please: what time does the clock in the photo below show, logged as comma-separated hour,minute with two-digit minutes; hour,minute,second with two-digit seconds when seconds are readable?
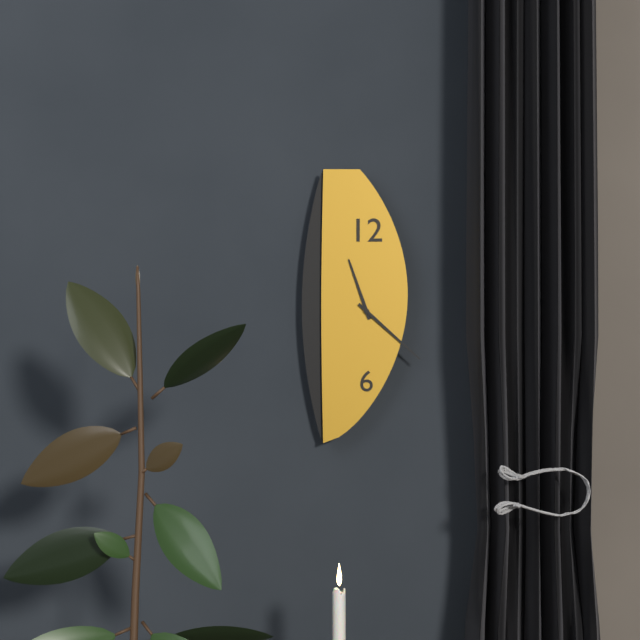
11,22
